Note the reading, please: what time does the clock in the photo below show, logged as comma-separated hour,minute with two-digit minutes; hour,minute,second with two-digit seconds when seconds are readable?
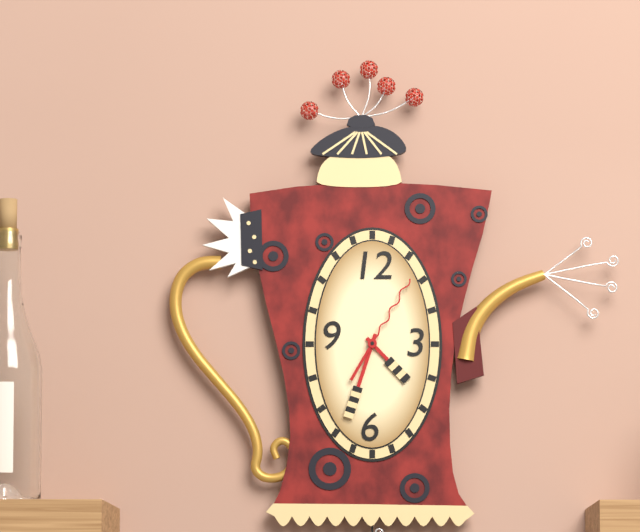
4,33,05
